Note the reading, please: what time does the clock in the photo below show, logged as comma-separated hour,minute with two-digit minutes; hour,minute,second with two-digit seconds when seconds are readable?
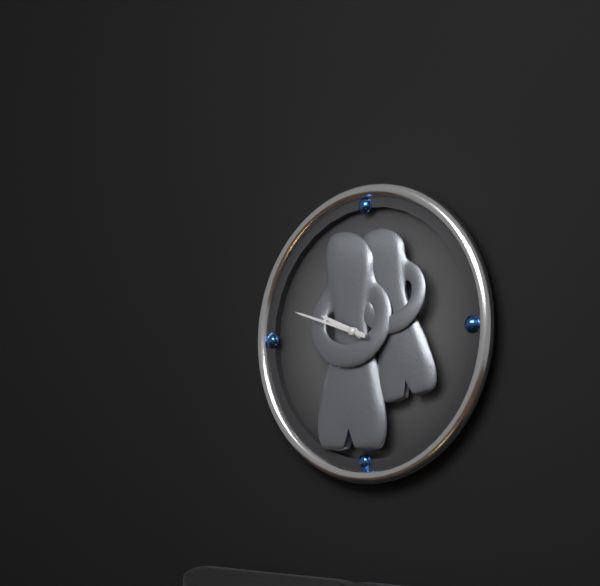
9,48
